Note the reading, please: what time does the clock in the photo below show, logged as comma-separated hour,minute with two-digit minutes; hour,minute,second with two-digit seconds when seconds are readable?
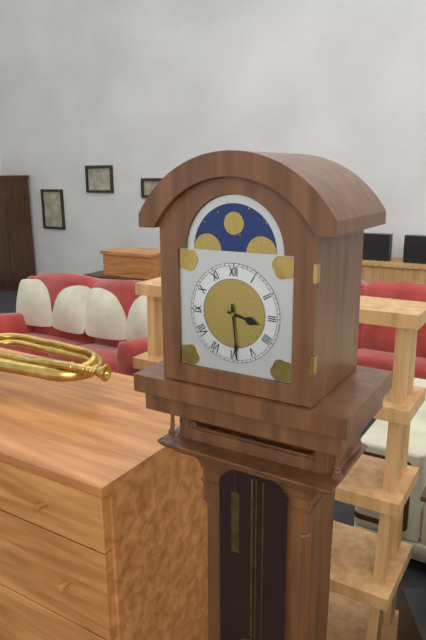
3,29
